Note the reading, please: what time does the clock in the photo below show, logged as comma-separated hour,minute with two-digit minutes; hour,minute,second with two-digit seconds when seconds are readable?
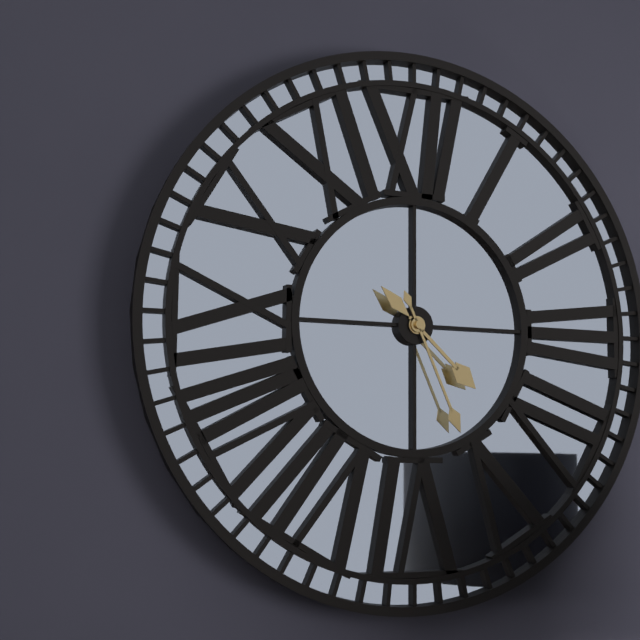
4,26
